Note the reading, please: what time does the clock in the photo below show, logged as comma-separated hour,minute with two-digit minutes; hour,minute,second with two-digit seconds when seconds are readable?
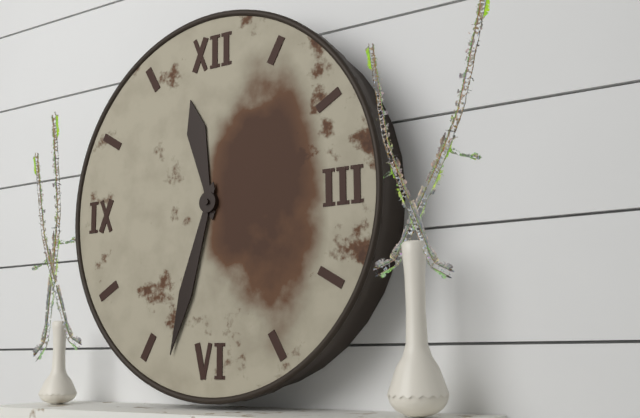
11,33
